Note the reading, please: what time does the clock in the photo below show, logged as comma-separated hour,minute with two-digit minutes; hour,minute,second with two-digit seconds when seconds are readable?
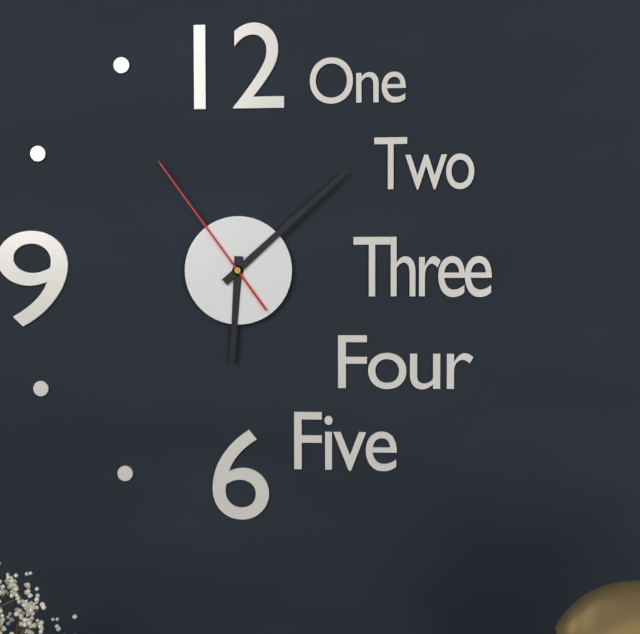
6,08,54
